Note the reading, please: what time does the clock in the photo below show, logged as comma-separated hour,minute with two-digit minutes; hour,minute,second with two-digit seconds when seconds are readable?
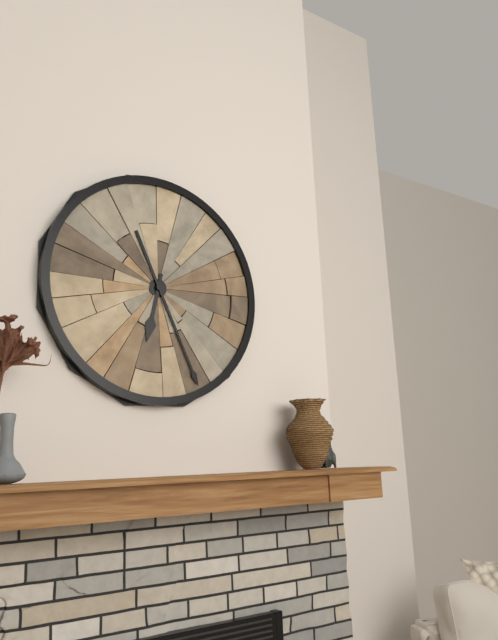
6,26
